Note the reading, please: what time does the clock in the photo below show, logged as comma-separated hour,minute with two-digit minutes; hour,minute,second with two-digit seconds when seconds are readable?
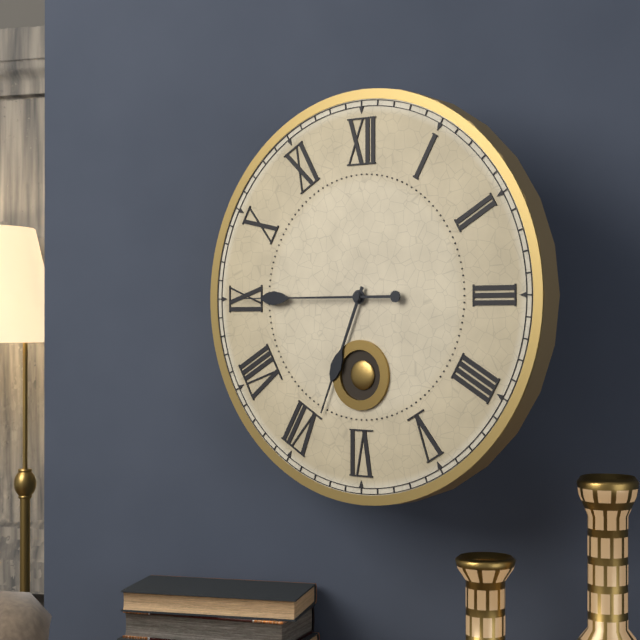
6,45
